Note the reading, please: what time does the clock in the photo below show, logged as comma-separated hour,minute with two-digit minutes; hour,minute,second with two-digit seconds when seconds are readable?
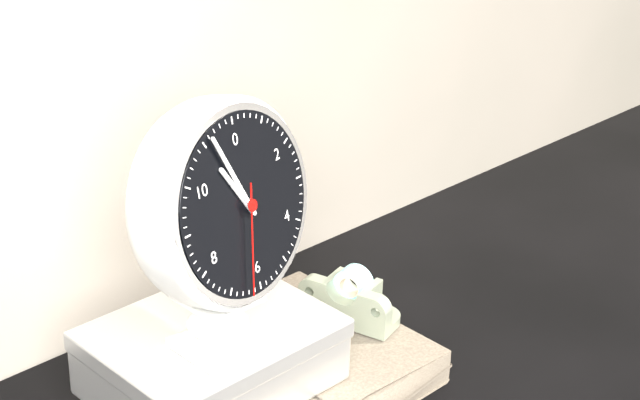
10,56,32
